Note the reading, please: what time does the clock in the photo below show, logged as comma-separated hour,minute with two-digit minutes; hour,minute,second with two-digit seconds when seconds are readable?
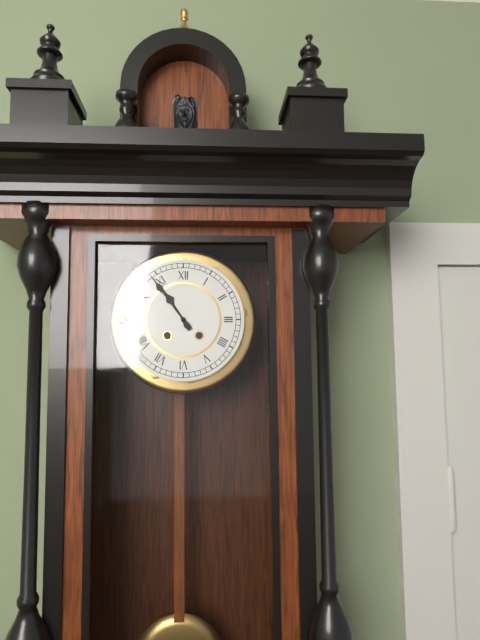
10,54
